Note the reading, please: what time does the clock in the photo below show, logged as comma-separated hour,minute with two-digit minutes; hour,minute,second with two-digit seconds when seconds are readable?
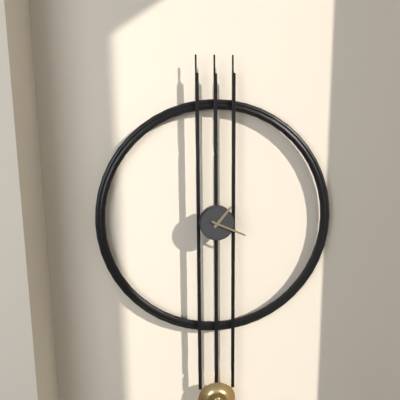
1,19
